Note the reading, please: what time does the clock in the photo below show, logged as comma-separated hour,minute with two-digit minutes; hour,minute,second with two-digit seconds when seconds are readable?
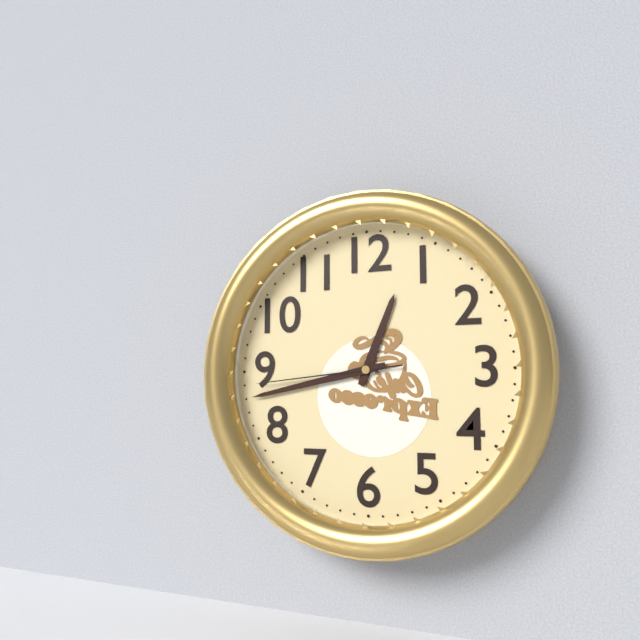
12,43,44
